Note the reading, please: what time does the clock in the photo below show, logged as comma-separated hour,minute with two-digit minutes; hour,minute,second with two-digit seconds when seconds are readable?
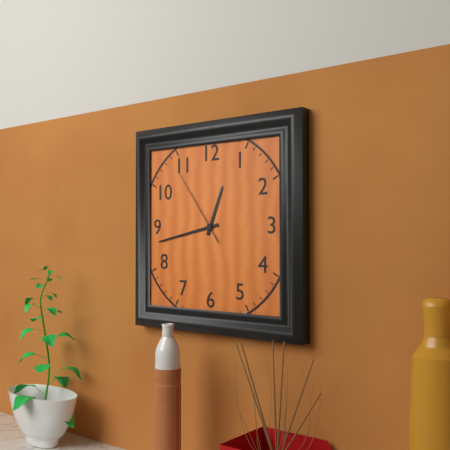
12,43,54
